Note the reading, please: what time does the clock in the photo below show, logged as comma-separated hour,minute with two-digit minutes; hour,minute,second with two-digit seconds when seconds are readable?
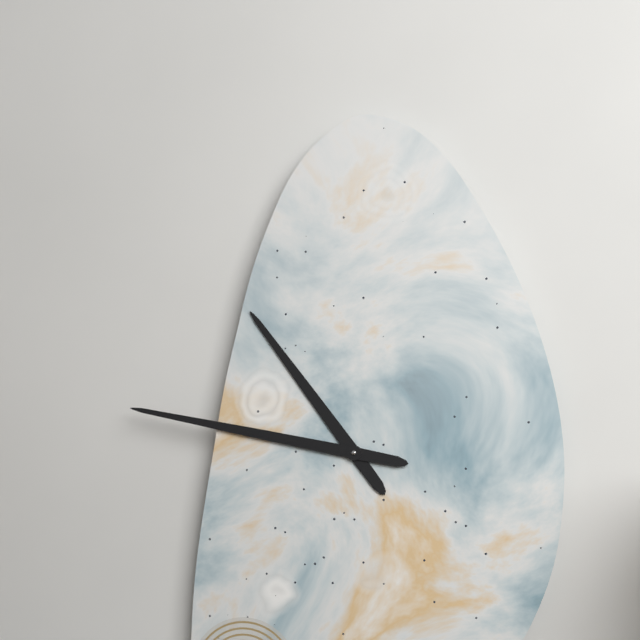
10,47
